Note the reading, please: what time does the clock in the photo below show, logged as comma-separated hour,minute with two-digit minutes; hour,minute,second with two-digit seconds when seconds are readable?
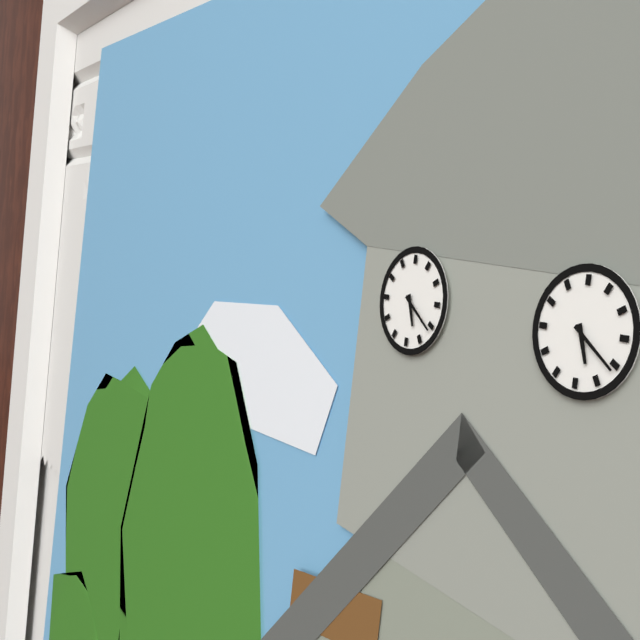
5,21
